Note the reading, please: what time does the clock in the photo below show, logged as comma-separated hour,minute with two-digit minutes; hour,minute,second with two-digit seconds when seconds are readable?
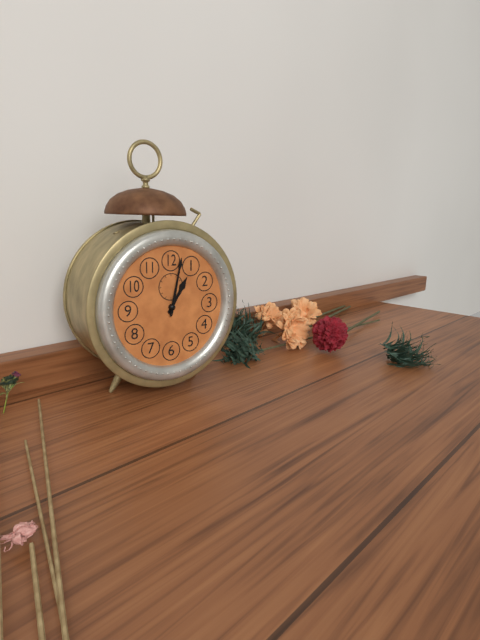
1,02
